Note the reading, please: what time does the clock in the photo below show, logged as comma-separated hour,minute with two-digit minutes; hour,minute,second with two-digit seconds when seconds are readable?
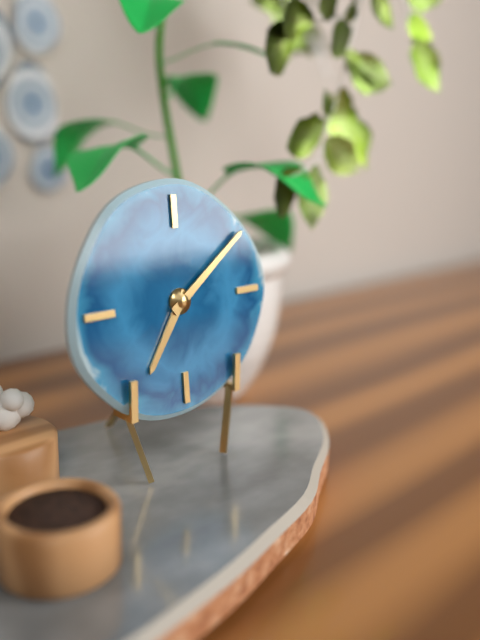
7,09
